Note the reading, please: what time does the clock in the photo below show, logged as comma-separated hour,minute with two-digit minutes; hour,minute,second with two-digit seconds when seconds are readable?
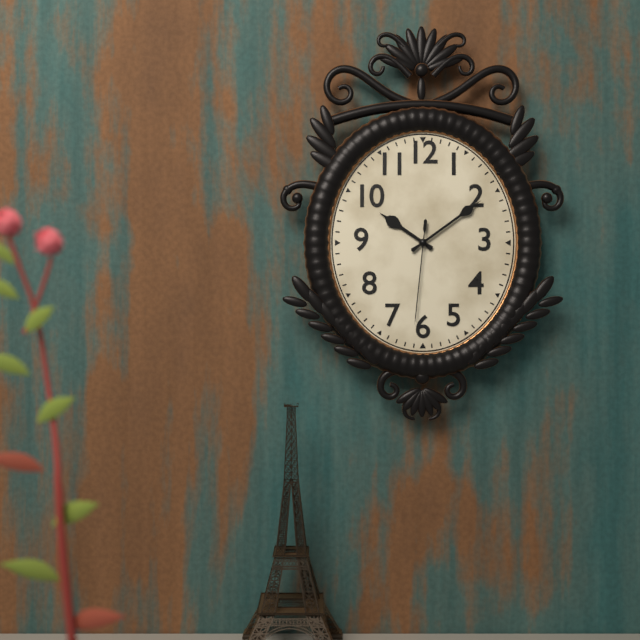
10,09,31
